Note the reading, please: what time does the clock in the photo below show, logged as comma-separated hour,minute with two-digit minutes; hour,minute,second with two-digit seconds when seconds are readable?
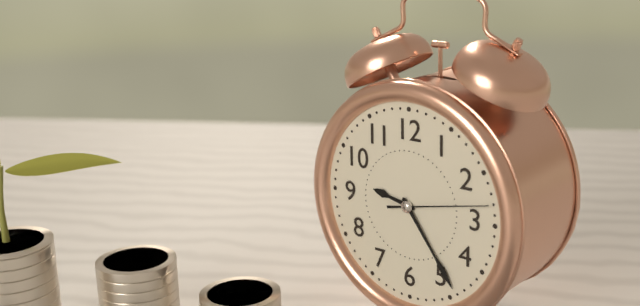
9,24,13
